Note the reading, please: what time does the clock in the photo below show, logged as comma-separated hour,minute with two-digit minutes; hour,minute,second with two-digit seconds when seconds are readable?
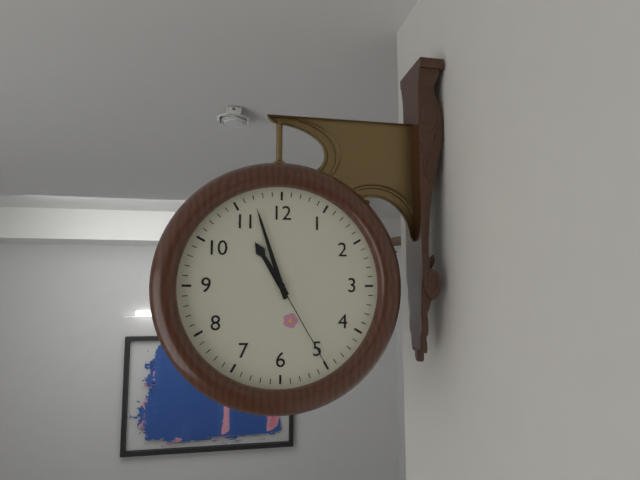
10,57,25
